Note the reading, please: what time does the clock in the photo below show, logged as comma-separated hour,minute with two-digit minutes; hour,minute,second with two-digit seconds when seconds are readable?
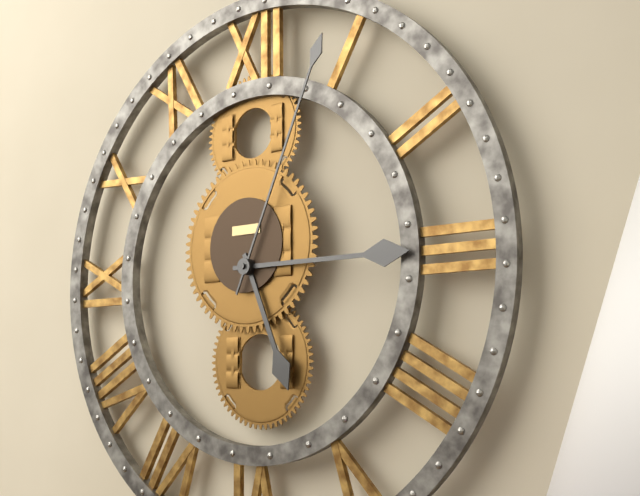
5,15,04
